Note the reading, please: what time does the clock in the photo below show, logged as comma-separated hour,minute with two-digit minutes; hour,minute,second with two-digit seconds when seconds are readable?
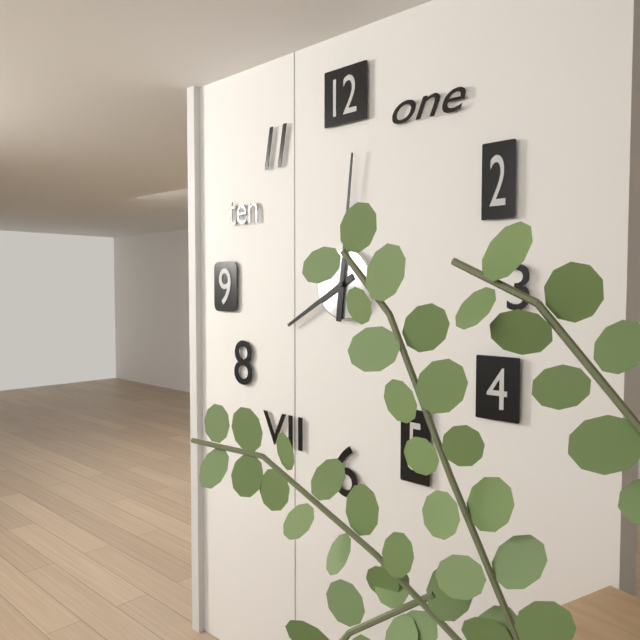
8,01
